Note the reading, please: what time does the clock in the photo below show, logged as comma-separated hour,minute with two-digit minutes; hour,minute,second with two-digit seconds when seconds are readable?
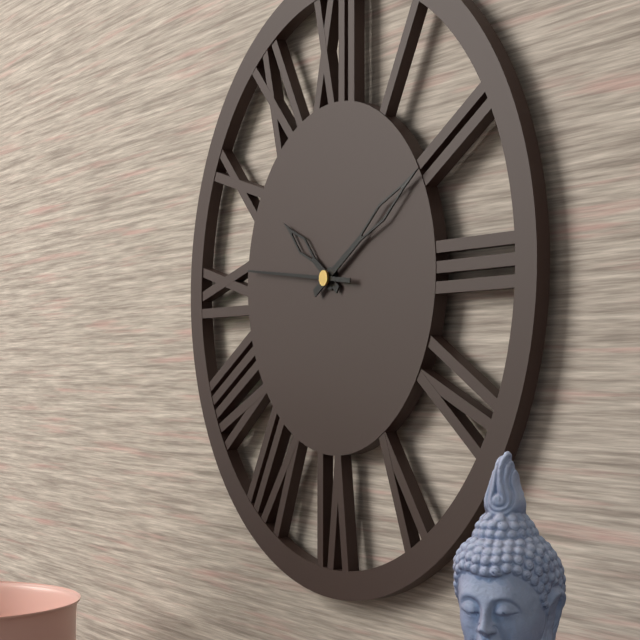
10,10,46
